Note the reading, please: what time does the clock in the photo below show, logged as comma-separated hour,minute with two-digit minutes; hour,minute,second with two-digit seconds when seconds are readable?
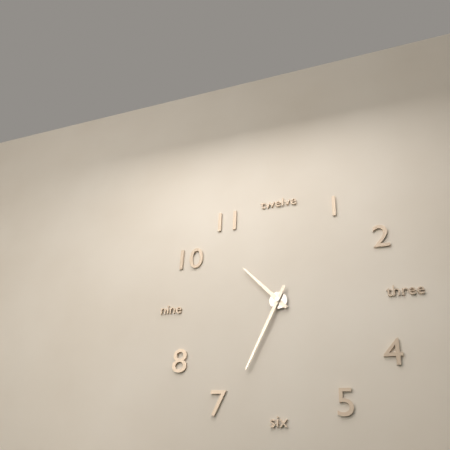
10,34
